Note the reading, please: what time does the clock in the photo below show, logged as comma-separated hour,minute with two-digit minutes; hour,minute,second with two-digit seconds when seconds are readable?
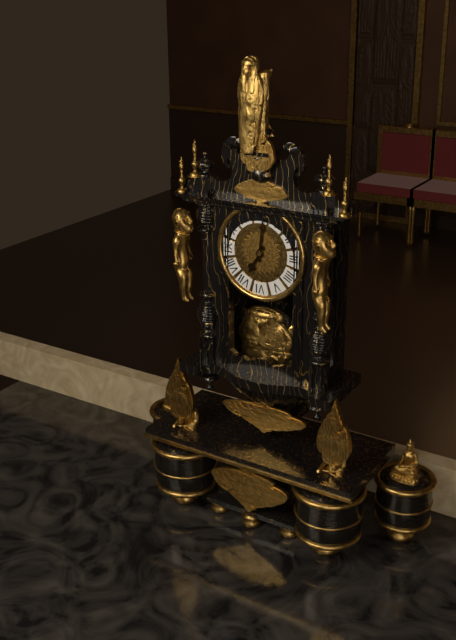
7,01
